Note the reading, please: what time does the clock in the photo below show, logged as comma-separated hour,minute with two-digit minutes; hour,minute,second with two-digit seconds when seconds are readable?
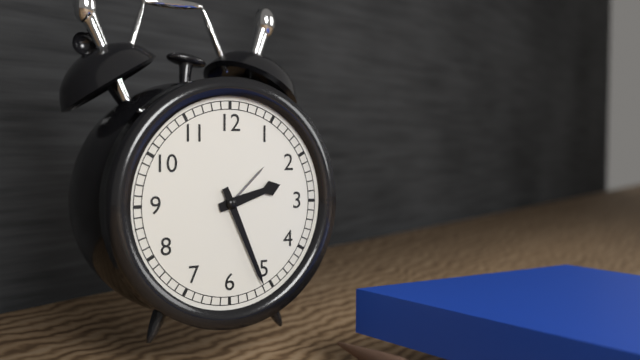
2,26
